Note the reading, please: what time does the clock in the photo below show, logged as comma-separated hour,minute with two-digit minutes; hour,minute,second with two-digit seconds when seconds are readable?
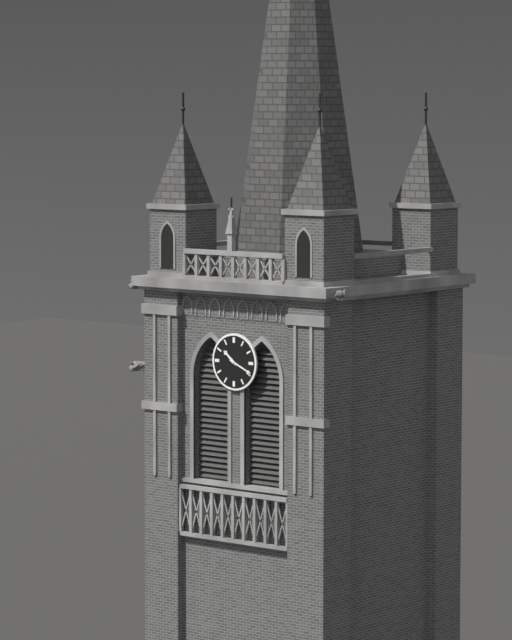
10,19
